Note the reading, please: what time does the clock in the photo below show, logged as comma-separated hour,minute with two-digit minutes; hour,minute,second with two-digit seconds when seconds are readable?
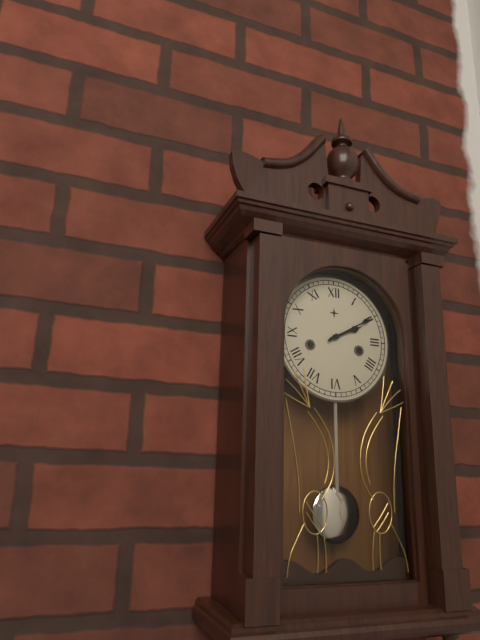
2,10
